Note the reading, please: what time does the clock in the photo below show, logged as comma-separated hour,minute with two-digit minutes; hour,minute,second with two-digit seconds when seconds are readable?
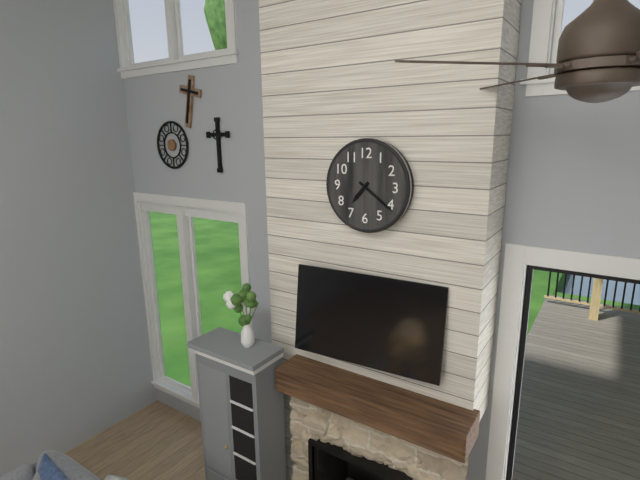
7,21
